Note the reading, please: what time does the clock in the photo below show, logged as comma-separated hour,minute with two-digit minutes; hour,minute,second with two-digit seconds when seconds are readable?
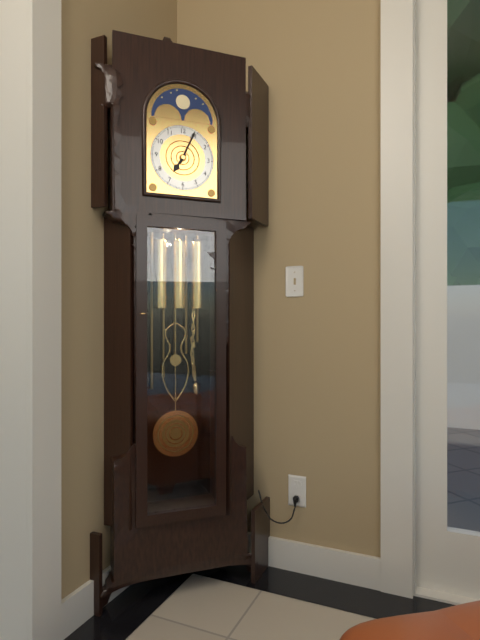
7,04
